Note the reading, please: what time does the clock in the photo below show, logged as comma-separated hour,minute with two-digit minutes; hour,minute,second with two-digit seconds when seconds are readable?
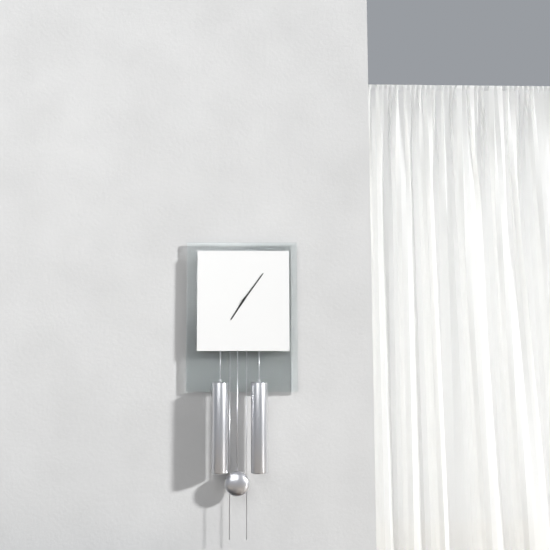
7,06
